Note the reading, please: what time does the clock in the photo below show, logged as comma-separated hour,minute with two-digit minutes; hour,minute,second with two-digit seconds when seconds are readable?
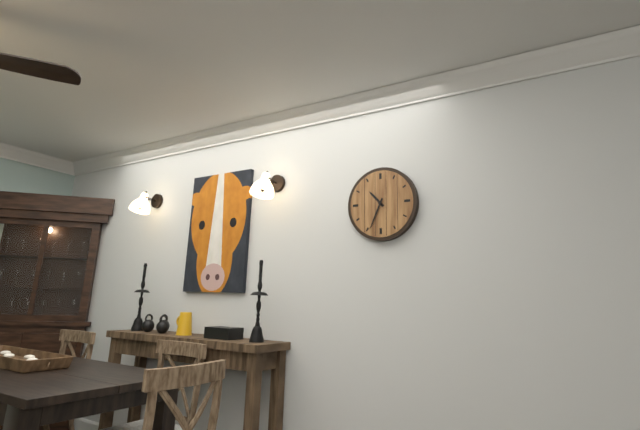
10,34
